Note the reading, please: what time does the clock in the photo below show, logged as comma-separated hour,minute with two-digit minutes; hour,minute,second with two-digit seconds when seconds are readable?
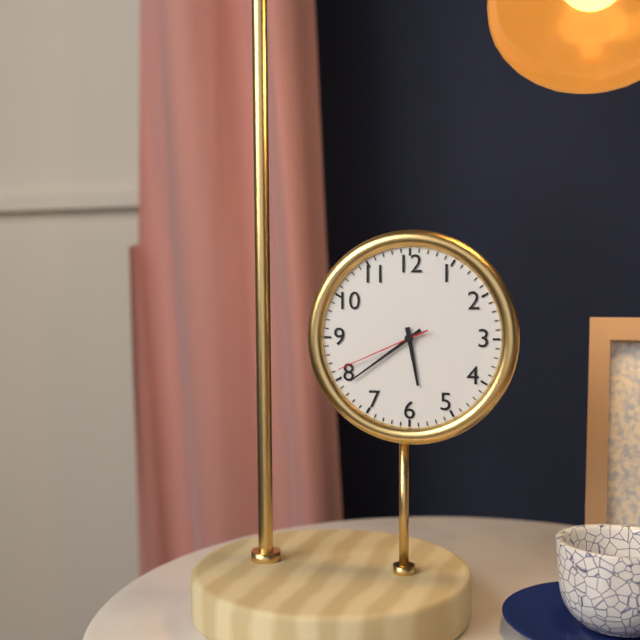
5,39,41
